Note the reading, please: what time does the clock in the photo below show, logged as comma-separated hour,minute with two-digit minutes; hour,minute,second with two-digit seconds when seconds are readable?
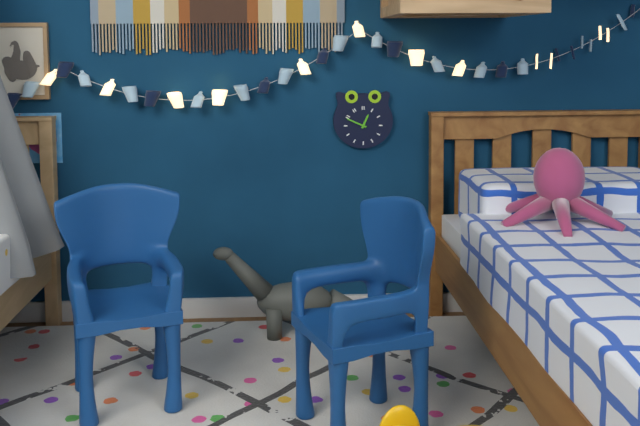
12,49
